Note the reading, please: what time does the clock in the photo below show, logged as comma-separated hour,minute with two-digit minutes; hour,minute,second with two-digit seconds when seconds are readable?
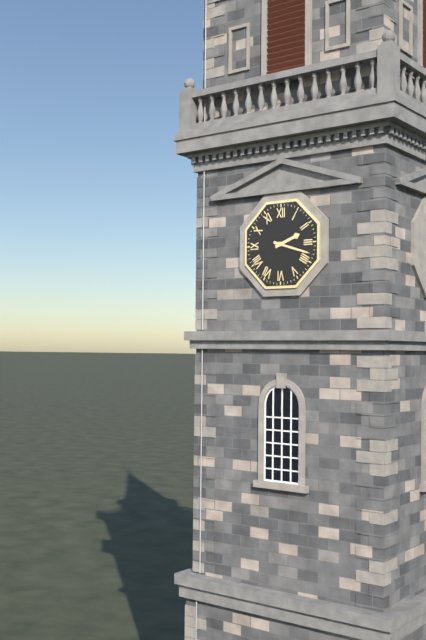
2,18
